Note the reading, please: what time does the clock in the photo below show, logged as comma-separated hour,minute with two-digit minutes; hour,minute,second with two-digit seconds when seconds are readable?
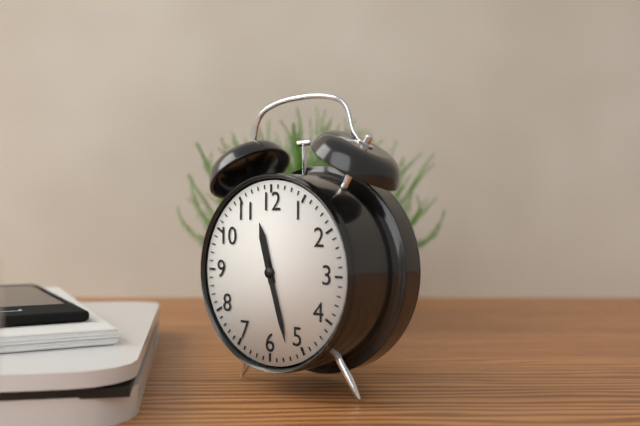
11,27
